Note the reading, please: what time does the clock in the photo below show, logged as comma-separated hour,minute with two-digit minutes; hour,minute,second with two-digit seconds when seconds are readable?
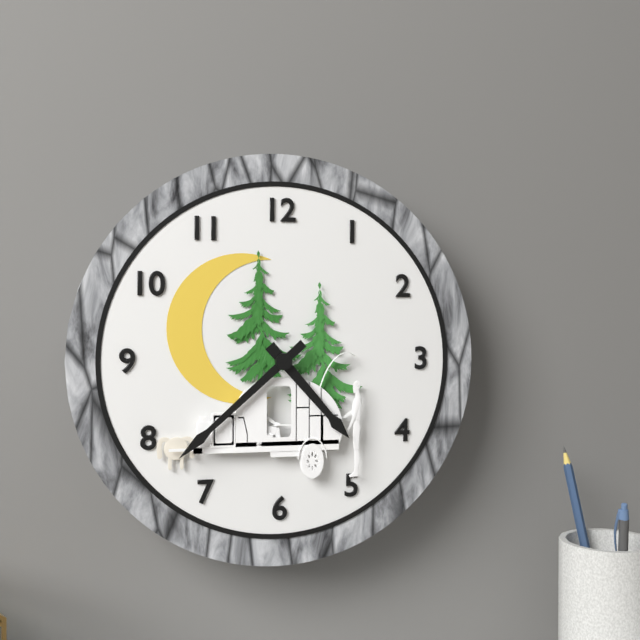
4,38
